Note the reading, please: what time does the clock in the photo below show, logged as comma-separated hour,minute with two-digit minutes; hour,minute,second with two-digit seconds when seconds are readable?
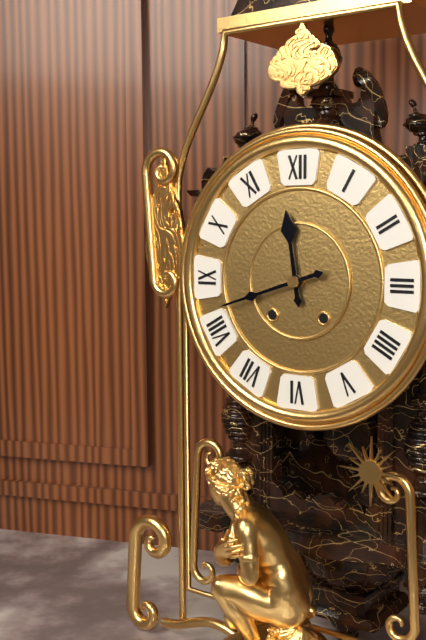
11,42
